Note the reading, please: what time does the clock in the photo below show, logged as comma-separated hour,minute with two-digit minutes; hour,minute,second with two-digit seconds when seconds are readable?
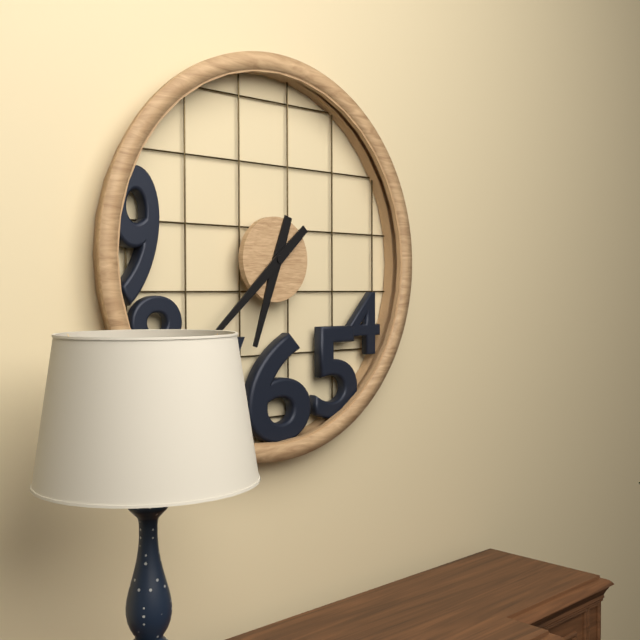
6,38
